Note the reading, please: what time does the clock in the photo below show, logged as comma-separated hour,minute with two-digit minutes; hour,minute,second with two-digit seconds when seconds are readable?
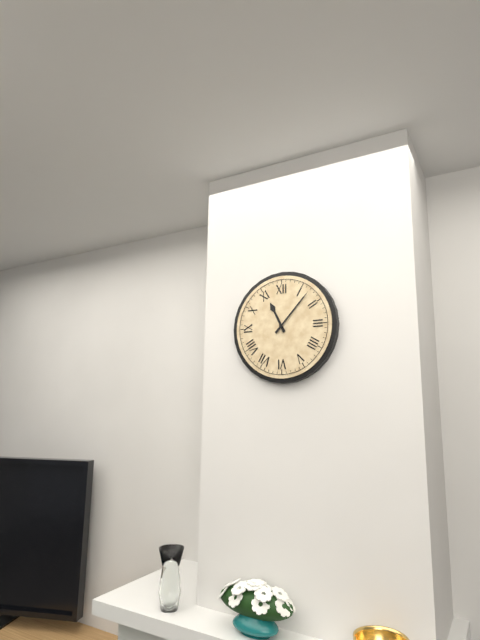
11,07
